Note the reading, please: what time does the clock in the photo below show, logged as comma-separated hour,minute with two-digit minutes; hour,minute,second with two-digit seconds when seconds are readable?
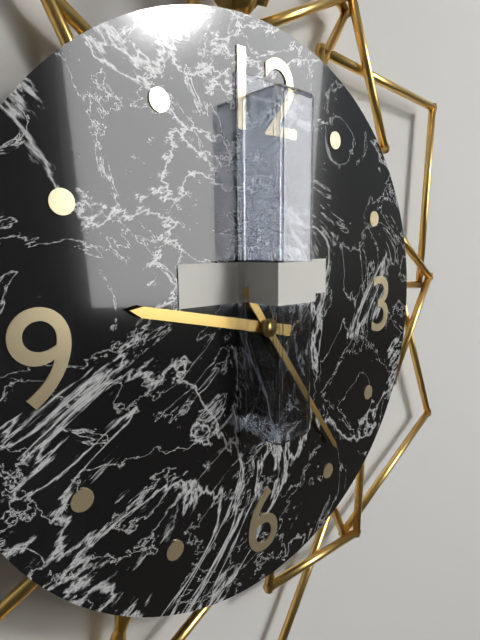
9,24
